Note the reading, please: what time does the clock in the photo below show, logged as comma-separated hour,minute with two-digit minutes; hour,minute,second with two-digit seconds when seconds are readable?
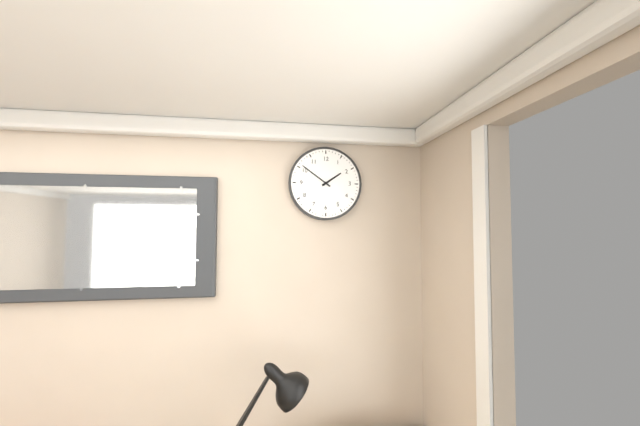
1,51
